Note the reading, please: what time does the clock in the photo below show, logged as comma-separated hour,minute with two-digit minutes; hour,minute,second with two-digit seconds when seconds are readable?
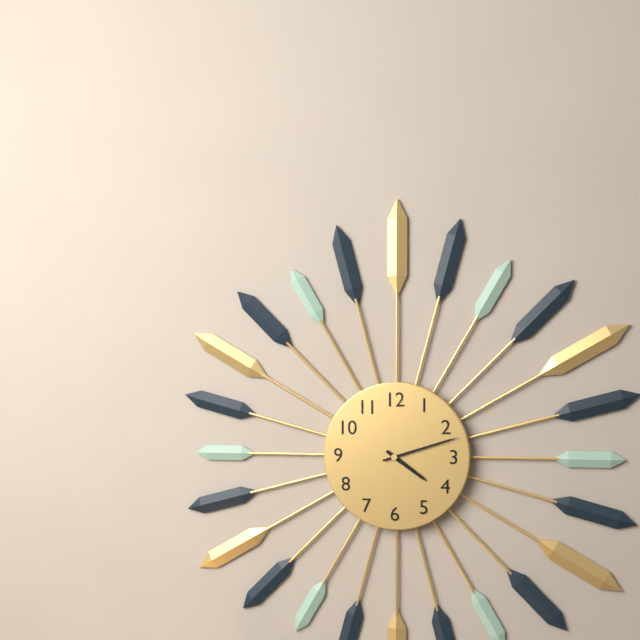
4,12
